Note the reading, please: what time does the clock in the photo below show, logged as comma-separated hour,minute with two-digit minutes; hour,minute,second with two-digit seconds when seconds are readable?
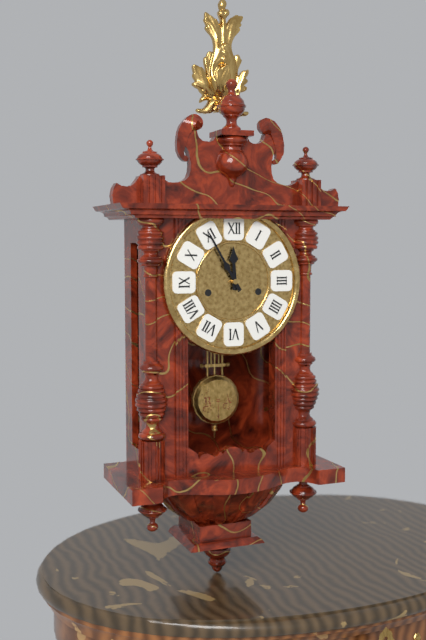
11,55
